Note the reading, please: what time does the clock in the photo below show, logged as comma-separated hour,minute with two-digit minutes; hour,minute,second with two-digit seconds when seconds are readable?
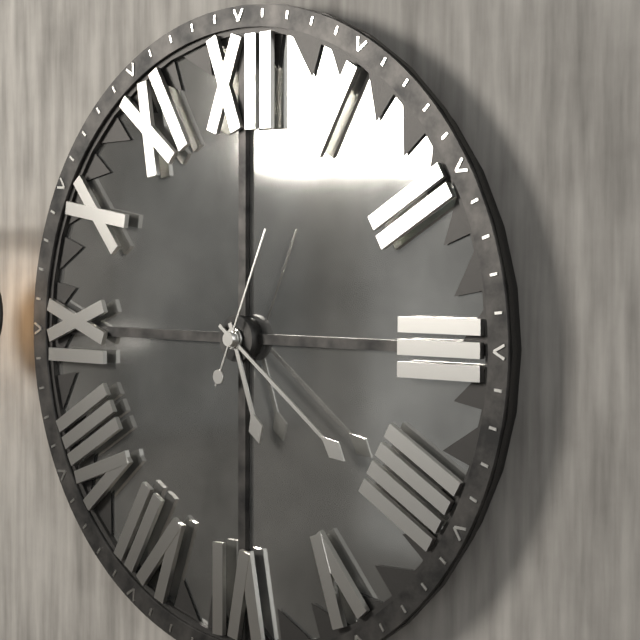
5,21,04
